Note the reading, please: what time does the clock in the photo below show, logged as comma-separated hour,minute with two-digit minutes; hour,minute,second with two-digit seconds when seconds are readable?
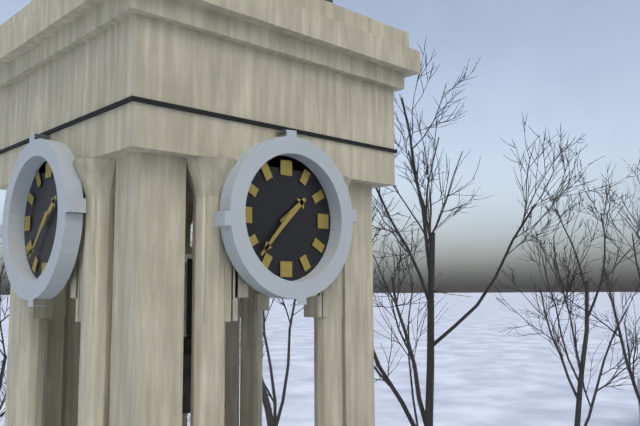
1,37
